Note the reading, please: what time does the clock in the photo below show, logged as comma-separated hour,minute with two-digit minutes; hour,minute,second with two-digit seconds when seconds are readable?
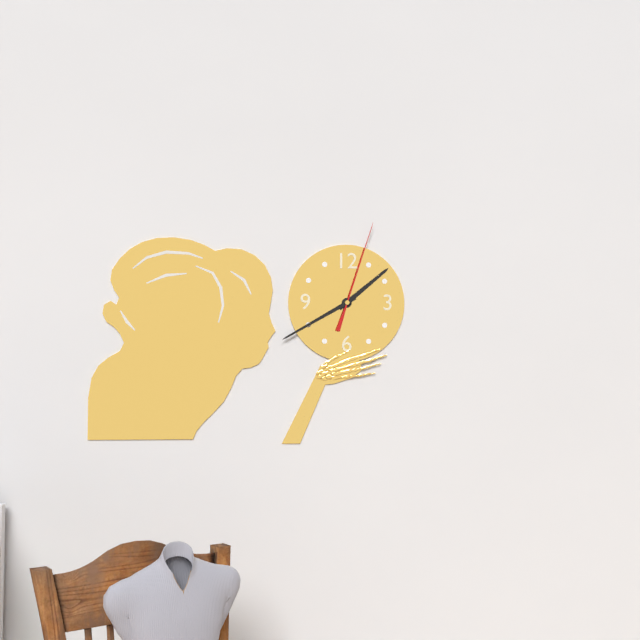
1,40,03
